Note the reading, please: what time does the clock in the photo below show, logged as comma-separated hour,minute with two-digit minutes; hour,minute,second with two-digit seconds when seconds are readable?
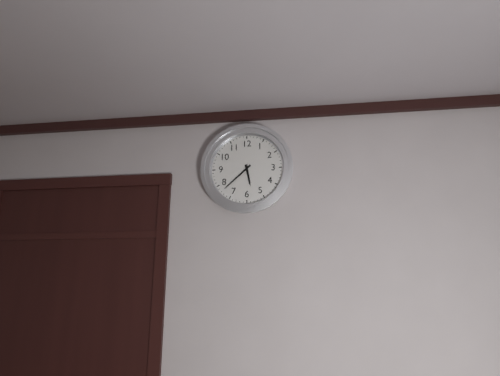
5,38
